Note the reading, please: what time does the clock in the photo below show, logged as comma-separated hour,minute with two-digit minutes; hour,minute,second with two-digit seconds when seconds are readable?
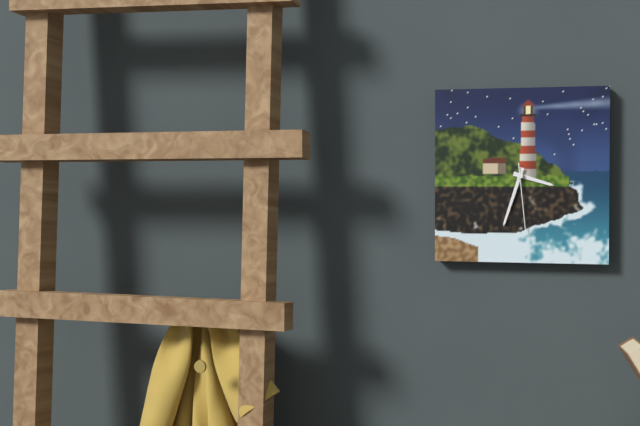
3,33,29
